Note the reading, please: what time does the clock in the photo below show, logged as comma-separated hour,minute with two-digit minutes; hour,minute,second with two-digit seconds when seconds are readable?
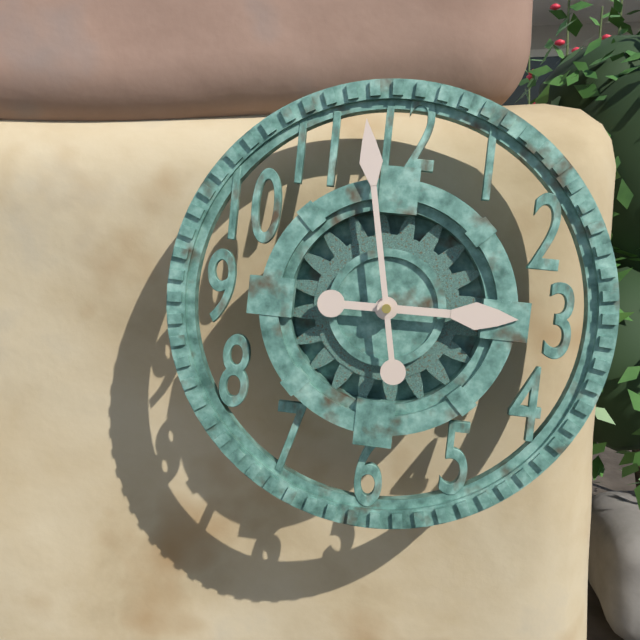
2,58
